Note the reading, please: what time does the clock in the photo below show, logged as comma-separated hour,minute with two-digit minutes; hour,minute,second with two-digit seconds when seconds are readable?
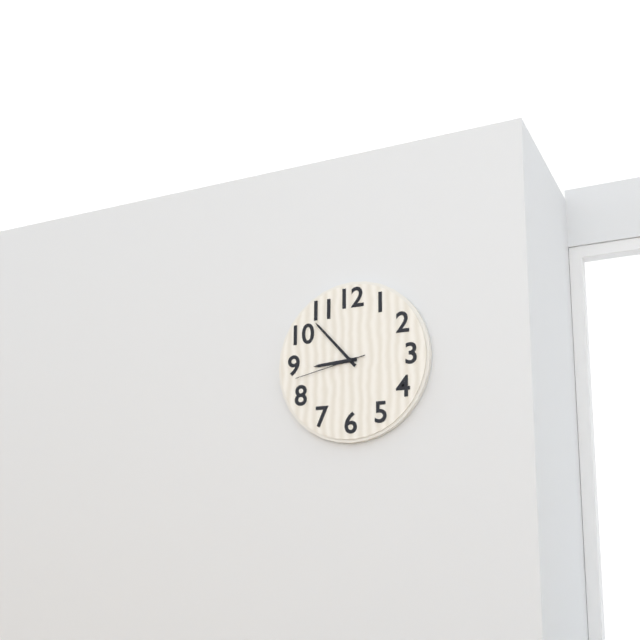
8,53,43
